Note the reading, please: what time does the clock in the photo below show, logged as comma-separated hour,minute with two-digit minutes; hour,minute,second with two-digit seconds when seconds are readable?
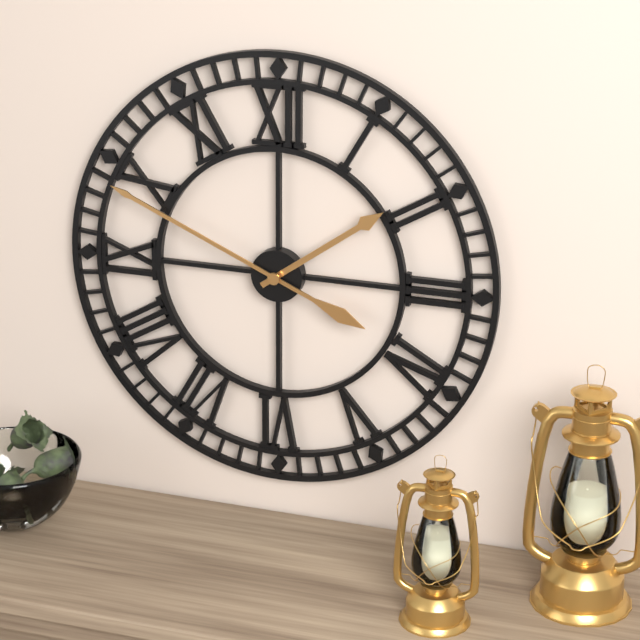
1,49
